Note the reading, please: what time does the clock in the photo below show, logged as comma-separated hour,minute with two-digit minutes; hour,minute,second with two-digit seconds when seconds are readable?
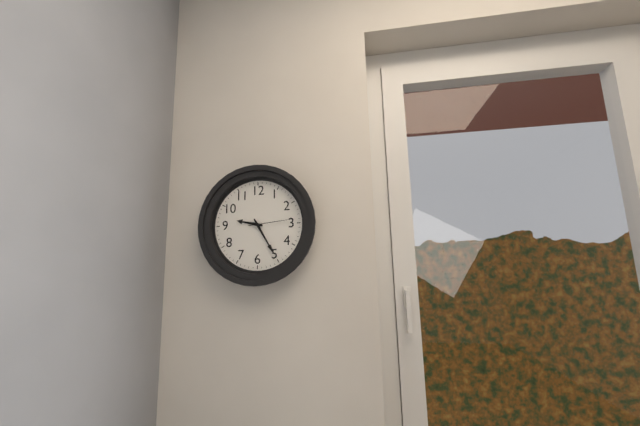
9,25
